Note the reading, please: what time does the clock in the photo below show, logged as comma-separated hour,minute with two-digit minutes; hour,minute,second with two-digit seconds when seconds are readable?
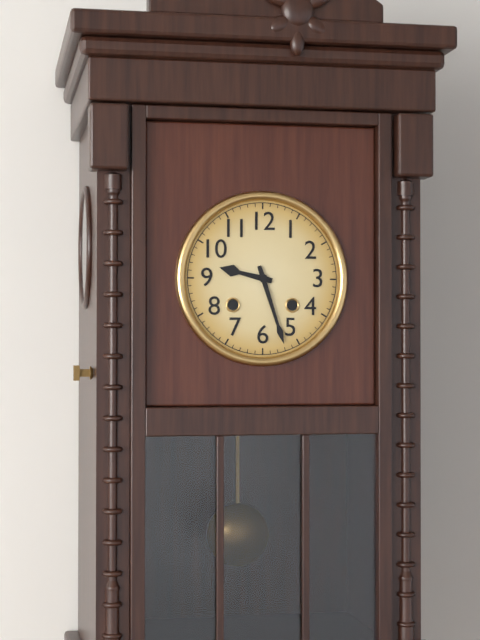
9,27
